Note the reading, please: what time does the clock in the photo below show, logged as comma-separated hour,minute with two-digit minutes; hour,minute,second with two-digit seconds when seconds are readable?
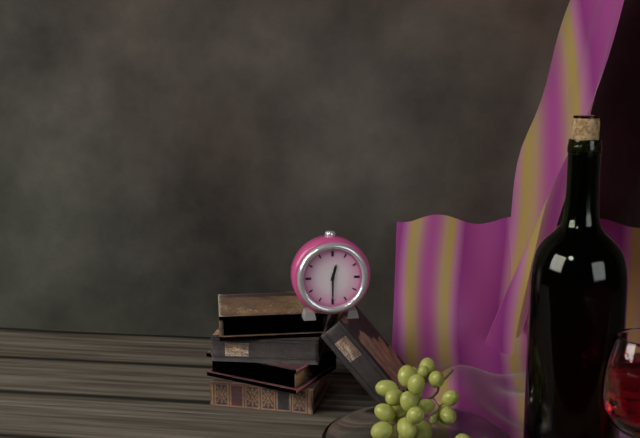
12,30
